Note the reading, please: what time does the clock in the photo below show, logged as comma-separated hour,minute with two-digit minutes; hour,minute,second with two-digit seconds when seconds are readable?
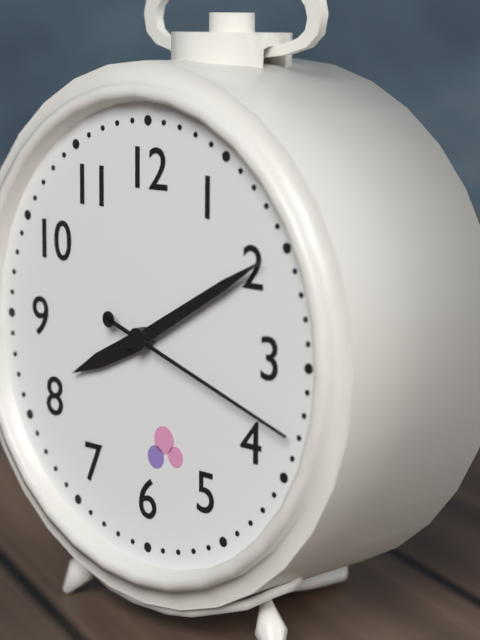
8,10,18
